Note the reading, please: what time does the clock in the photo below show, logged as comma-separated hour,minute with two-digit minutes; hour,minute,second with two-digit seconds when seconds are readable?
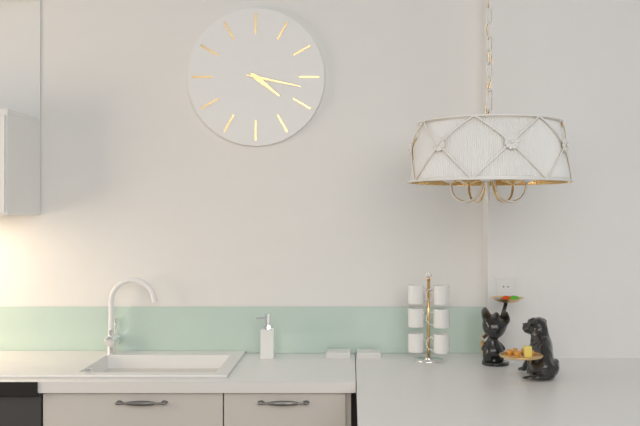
4,17
